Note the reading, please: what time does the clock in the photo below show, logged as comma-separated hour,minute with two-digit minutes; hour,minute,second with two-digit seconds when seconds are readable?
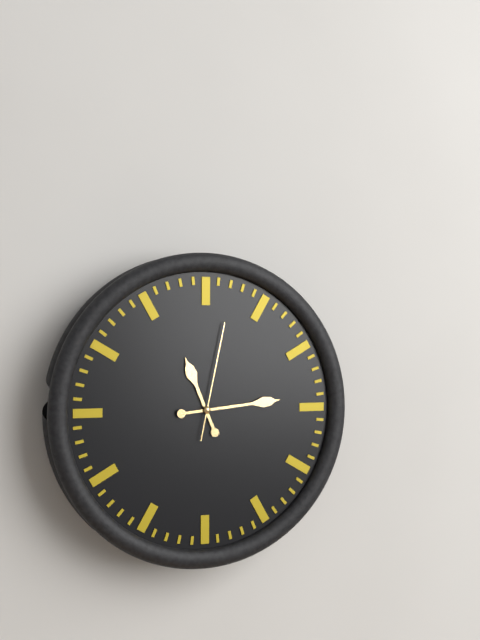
11,14,02
